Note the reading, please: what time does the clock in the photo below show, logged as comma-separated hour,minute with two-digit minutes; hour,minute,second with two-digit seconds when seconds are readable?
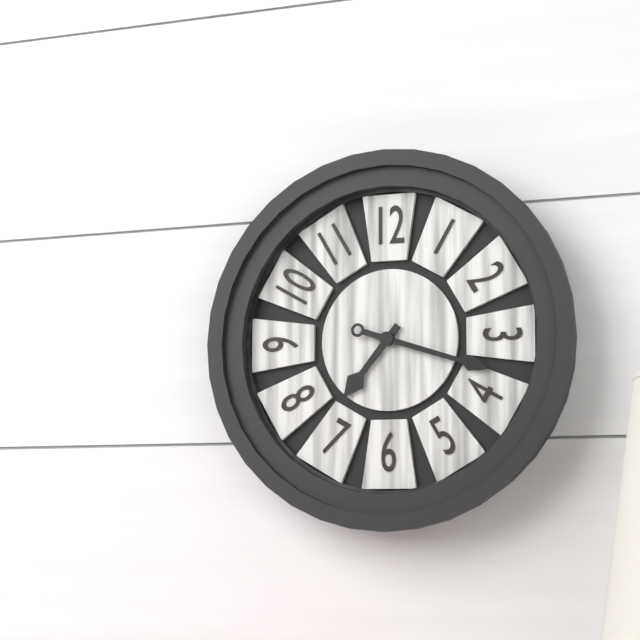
7,18
